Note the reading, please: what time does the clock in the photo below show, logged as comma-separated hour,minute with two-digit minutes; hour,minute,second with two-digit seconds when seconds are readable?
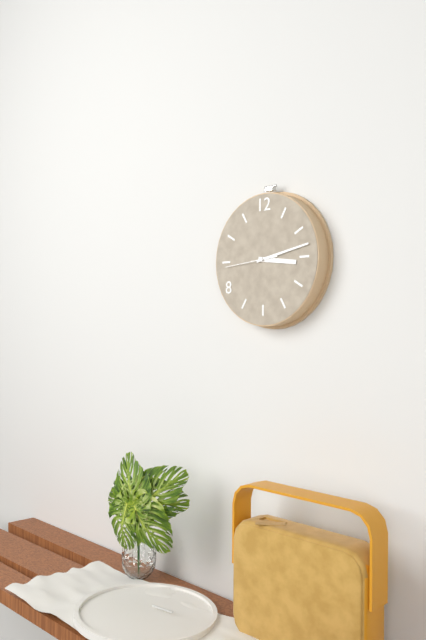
3,13
